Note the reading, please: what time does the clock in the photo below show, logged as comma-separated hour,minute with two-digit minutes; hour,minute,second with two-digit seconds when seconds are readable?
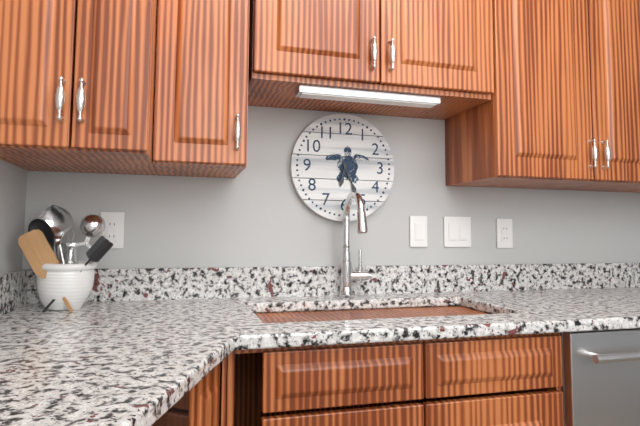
6,26
